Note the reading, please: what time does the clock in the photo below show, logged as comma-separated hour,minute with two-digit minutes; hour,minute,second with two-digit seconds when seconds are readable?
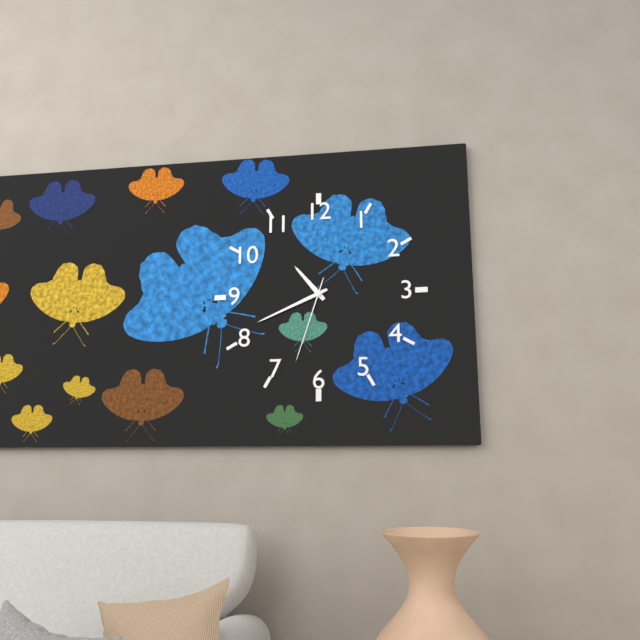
10,41,33
